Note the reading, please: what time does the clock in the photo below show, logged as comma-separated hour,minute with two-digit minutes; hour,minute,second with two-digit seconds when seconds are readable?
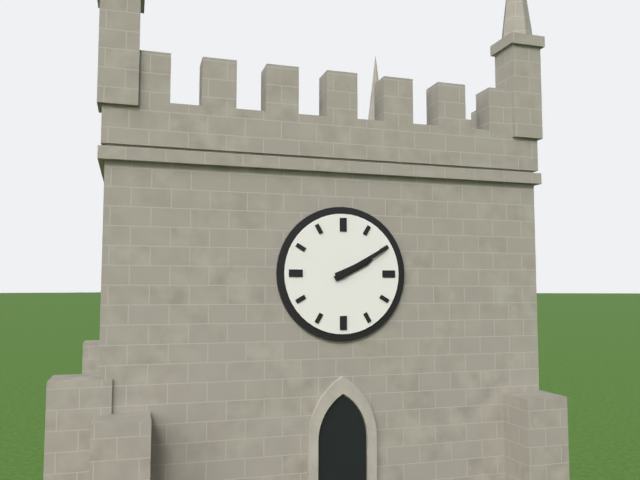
2,10
